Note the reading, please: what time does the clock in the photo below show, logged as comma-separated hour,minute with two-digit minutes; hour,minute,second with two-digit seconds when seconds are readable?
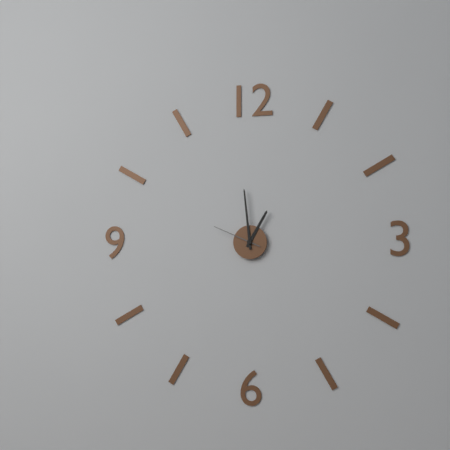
12,59,49
